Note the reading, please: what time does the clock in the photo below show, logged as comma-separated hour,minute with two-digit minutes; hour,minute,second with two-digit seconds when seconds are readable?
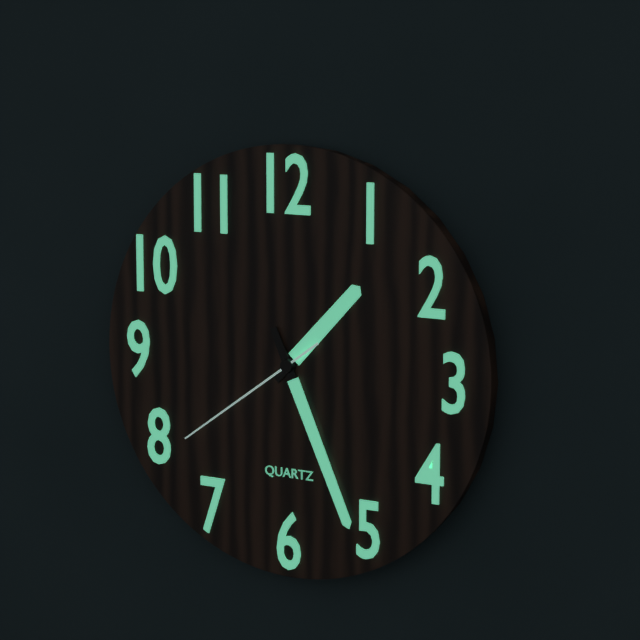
1,26,39
